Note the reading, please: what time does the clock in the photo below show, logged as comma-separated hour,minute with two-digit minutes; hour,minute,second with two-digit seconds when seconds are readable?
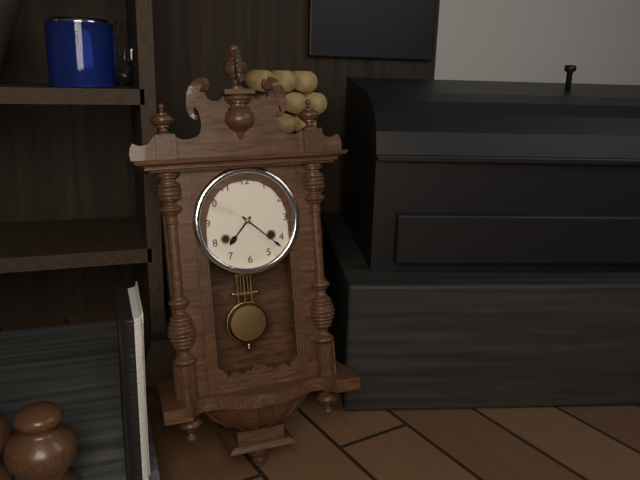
7,22
